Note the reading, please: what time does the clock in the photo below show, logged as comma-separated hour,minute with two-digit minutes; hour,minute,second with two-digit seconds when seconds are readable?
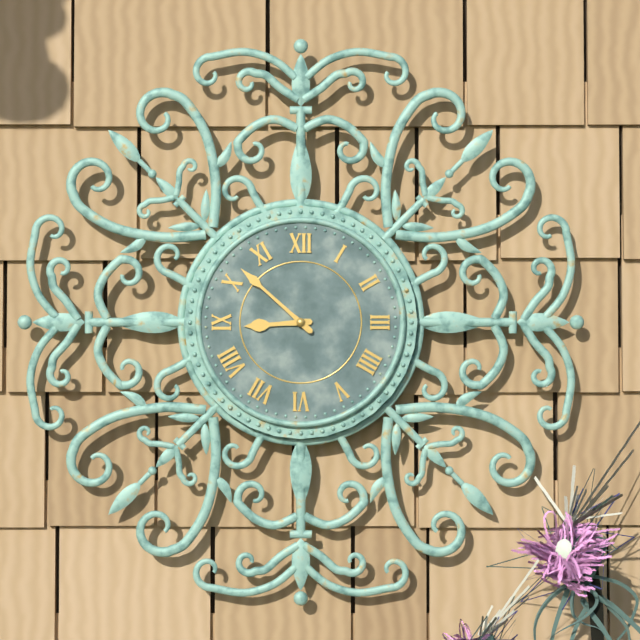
8,52
